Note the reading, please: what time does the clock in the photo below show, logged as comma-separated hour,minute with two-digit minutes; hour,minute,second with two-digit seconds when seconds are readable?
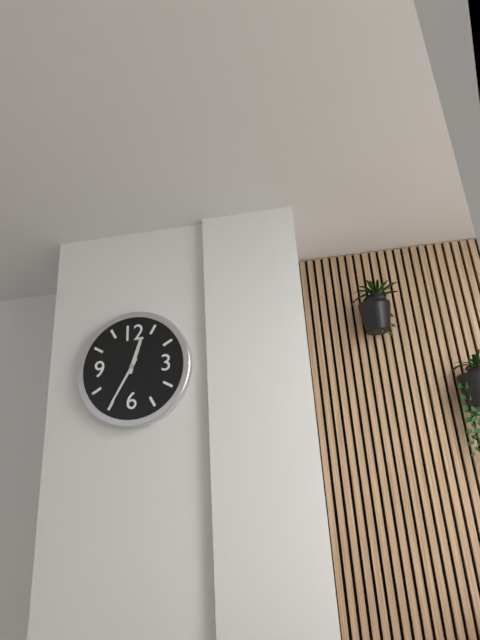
12,35
